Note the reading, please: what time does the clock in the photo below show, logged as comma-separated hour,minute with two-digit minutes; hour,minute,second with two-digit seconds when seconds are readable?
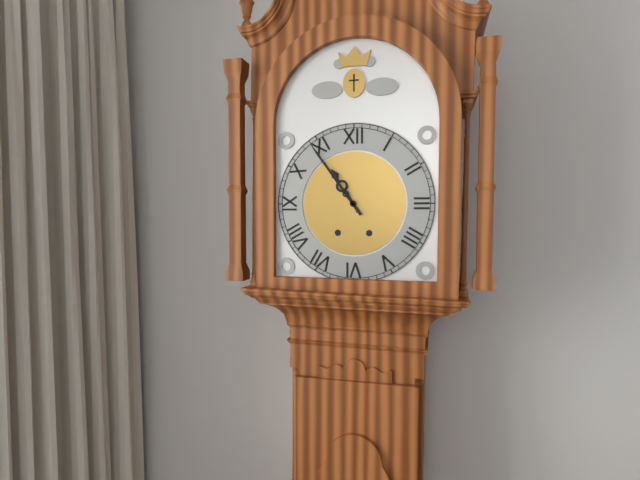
10,54
